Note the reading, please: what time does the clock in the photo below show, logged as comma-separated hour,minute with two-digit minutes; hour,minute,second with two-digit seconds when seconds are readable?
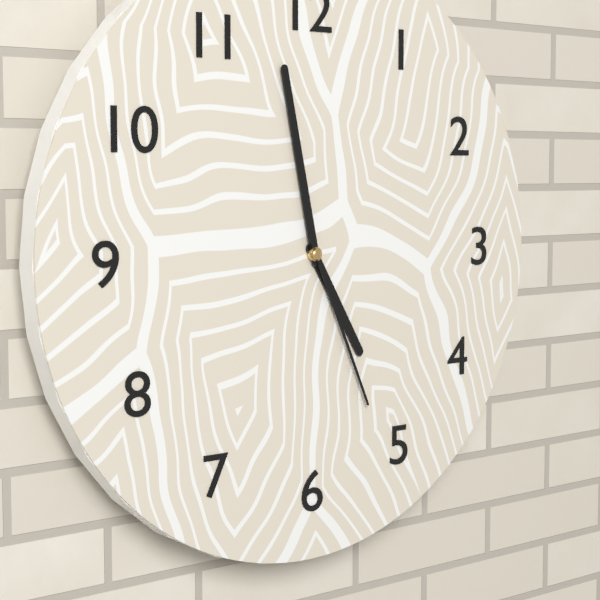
4,58,26
